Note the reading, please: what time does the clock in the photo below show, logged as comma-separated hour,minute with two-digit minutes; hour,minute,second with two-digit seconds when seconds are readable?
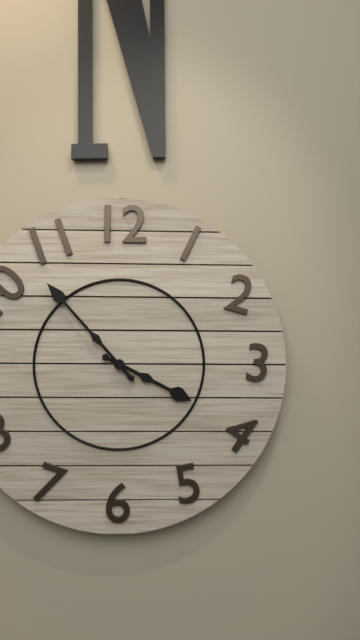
3,53
